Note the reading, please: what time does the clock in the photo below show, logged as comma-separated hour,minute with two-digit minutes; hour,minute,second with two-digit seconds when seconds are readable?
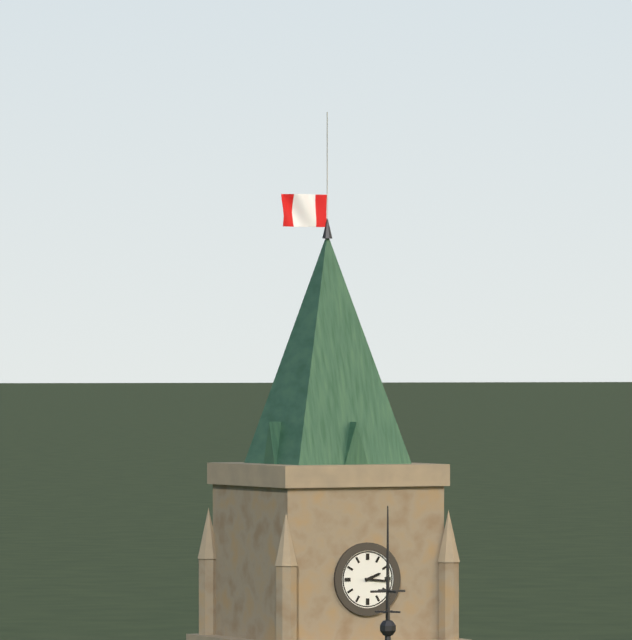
2,16
